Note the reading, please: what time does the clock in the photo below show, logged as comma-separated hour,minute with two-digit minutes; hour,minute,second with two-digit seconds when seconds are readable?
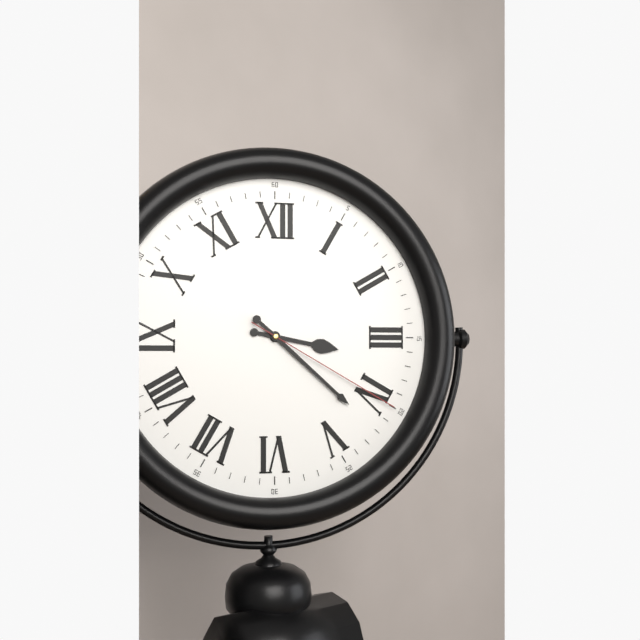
3,22,20
